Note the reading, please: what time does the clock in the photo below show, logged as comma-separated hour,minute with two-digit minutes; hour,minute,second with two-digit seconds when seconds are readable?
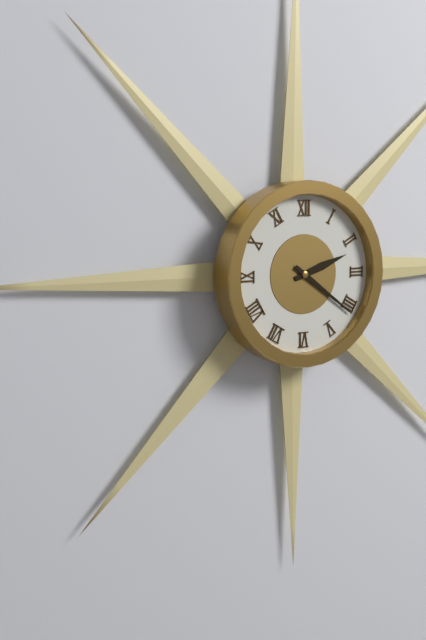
2,21
